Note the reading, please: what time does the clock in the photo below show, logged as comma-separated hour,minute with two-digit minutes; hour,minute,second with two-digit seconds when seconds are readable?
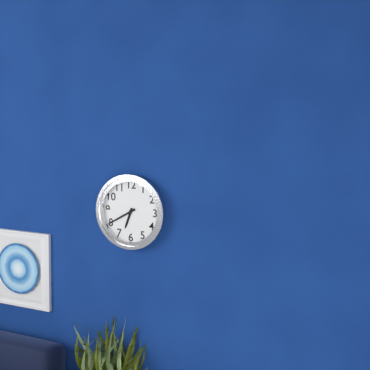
6,40
